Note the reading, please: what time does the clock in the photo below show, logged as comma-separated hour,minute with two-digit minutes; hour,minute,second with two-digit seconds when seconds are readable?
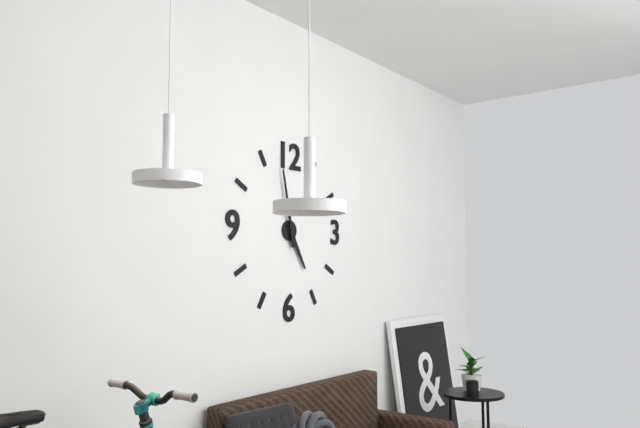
4,58
